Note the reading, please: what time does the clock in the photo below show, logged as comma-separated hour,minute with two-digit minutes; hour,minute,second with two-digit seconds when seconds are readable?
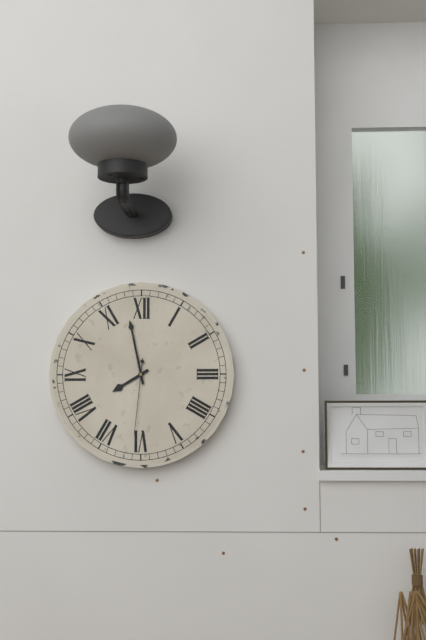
7,58,31
